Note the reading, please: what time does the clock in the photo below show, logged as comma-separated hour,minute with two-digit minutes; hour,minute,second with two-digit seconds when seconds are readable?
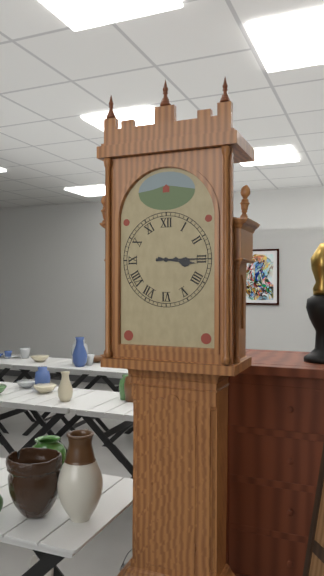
3,15
